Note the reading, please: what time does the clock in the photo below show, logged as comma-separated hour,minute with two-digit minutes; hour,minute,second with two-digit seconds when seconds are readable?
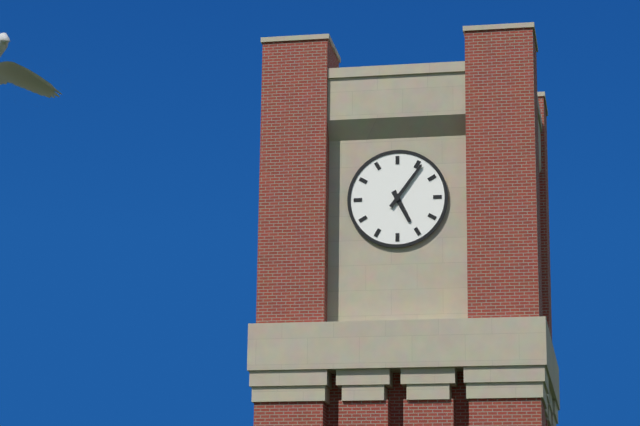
5,06
